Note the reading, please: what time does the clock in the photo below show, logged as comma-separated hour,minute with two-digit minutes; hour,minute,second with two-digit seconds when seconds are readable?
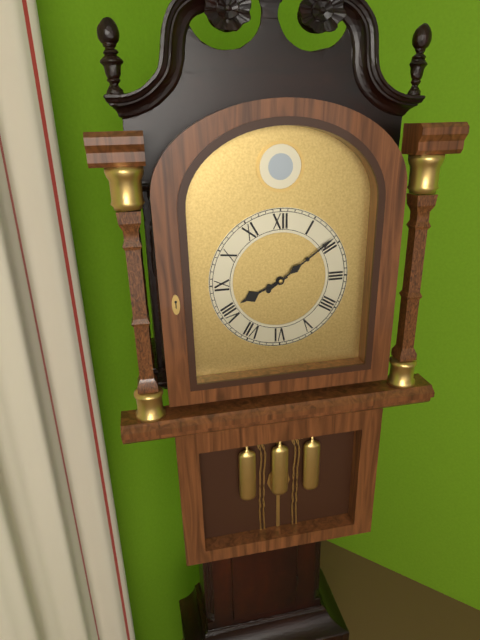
8,09
